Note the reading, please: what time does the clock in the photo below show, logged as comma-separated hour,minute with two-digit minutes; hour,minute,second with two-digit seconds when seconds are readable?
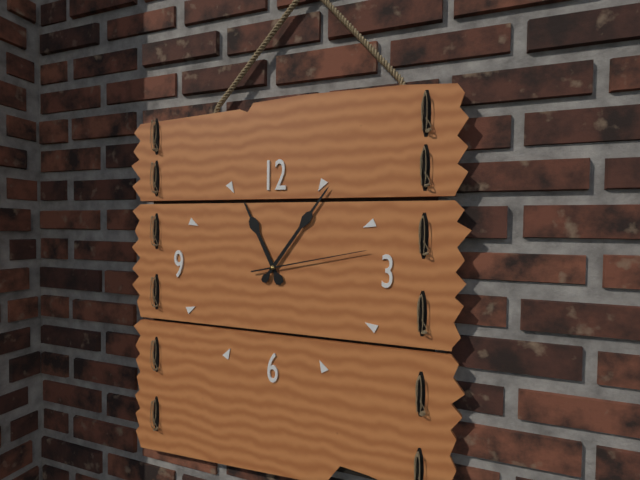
11,06,13
